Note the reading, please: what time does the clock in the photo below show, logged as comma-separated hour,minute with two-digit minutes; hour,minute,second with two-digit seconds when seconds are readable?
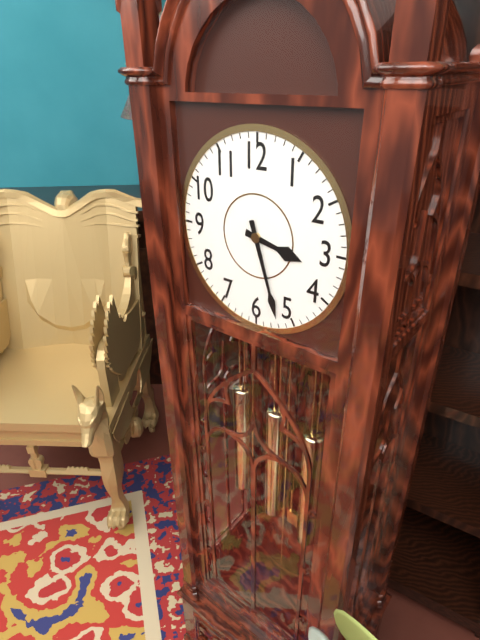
3,27
